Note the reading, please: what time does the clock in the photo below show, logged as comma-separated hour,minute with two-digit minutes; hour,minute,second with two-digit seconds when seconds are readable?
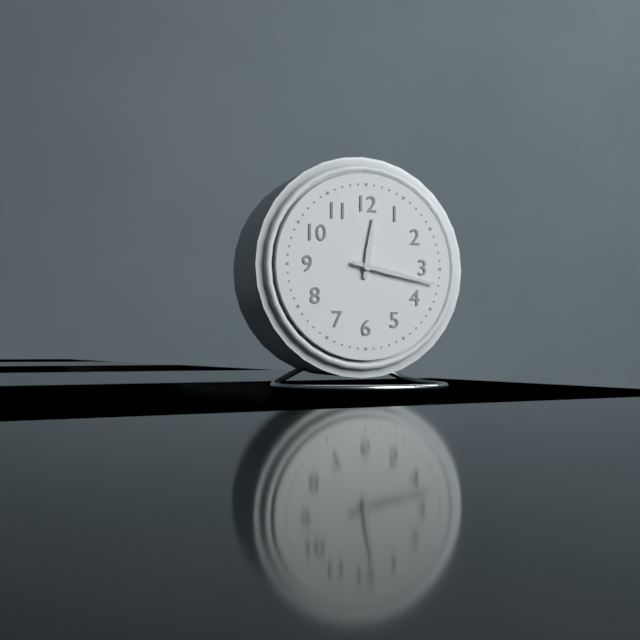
12,17
